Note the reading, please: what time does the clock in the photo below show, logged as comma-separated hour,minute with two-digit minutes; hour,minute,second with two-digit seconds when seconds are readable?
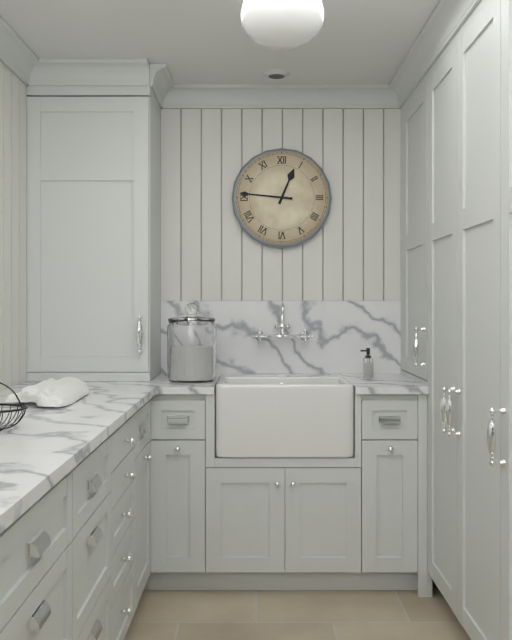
12,46
